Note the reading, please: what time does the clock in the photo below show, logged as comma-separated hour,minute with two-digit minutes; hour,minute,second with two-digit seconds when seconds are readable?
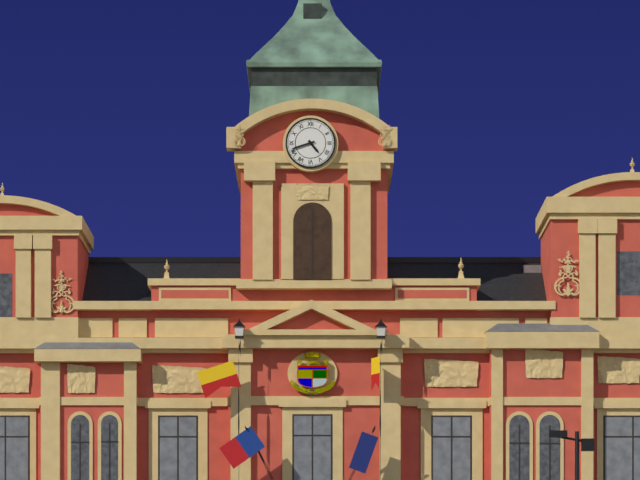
4,42
